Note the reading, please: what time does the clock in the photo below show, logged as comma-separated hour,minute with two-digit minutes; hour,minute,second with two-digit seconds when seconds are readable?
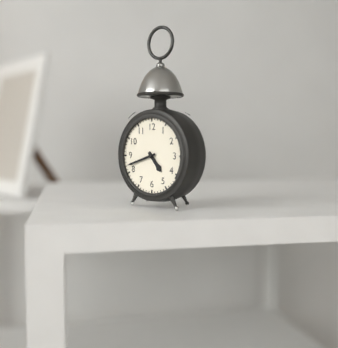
4,42
